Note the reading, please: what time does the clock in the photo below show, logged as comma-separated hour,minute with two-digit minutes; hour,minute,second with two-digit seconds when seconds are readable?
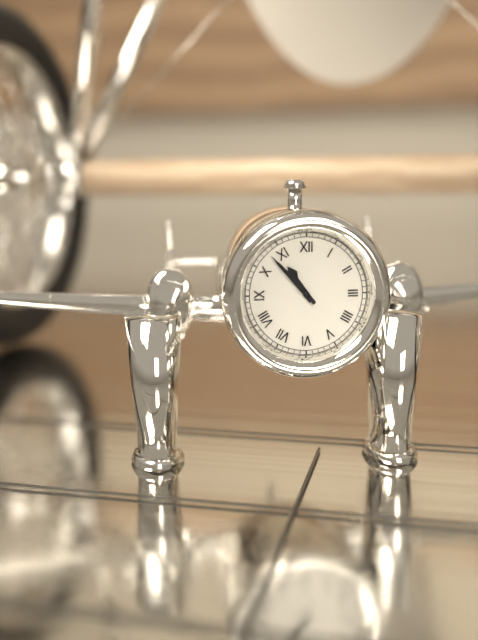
10,53
